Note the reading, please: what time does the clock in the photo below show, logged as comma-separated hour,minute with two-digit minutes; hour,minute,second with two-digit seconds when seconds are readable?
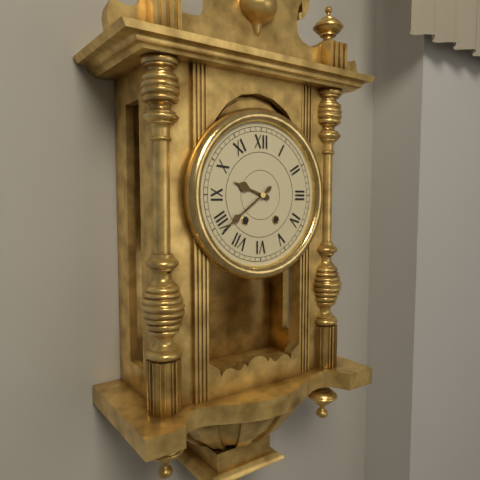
9,39
